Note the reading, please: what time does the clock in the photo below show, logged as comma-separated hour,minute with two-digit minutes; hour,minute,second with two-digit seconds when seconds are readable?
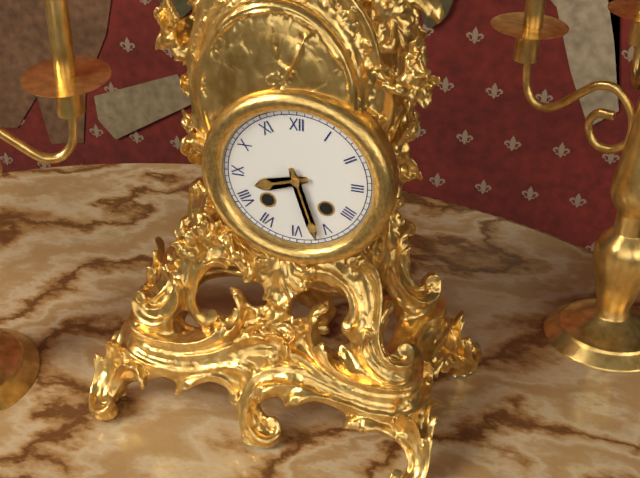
8,27
